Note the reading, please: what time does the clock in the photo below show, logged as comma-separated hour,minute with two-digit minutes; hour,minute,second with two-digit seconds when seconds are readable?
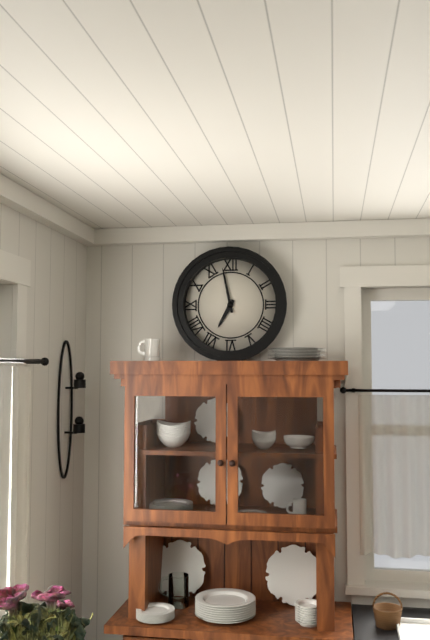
6,58
